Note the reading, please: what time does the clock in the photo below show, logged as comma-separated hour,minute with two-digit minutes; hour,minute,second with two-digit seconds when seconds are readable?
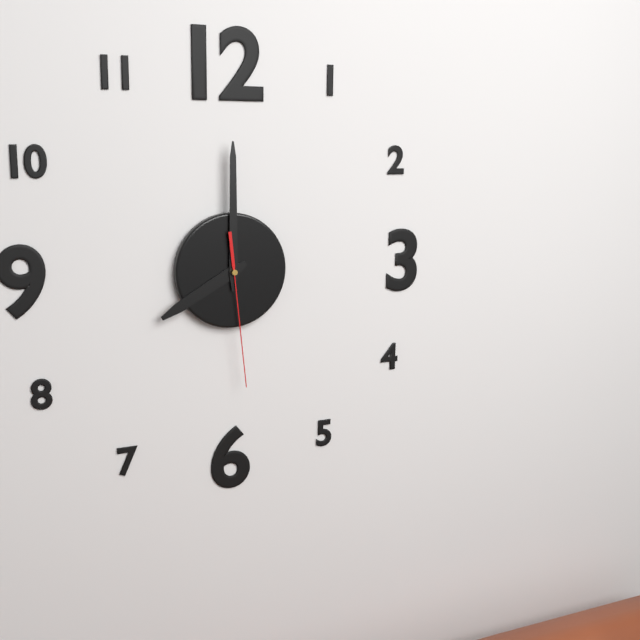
8,00,29
